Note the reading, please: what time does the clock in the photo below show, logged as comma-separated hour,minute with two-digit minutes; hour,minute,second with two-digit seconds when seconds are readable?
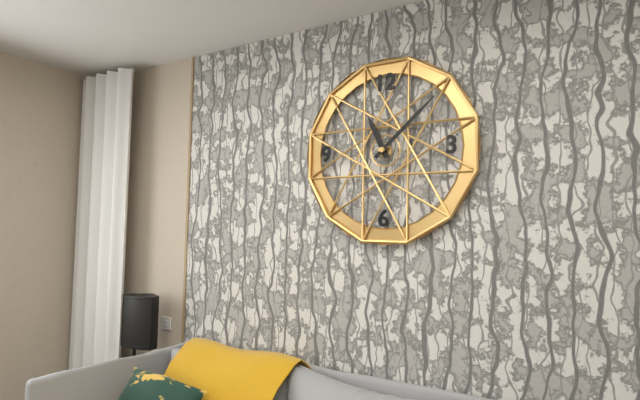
11,08
